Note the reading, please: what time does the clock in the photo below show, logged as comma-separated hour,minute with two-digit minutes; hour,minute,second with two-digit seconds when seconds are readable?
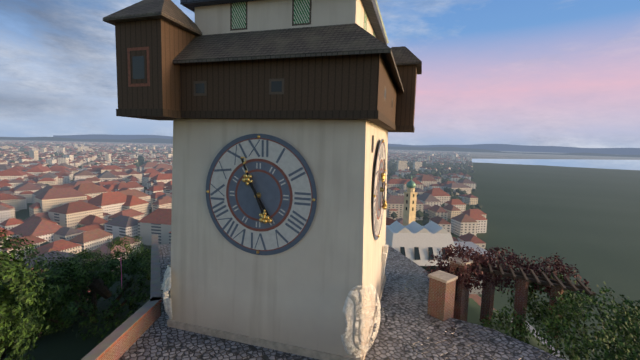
4,56
